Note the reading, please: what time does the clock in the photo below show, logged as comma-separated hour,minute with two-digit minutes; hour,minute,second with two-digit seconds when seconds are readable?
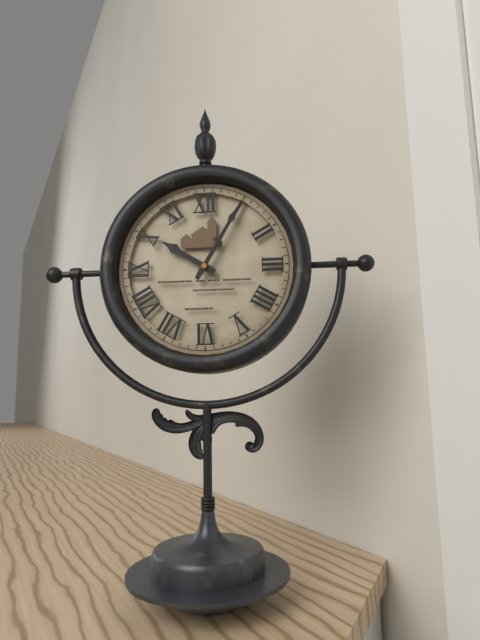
10,05
